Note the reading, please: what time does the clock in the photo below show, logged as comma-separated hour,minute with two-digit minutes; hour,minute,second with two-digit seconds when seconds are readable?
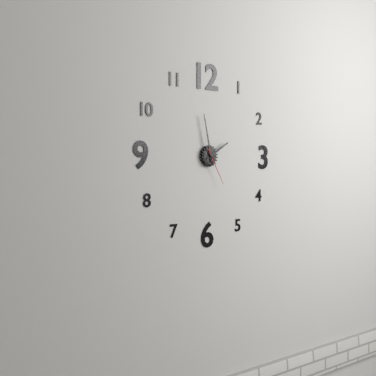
1,58
